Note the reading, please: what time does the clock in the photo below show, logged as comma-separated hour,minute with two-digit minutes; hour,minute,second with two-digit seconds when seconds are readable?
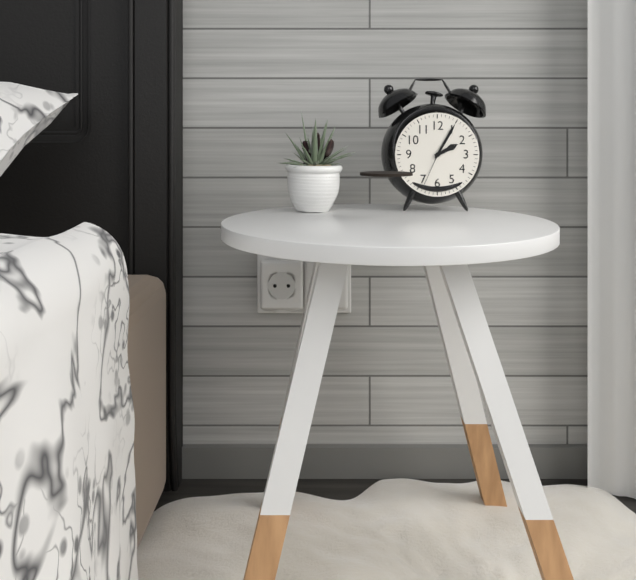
2,05
